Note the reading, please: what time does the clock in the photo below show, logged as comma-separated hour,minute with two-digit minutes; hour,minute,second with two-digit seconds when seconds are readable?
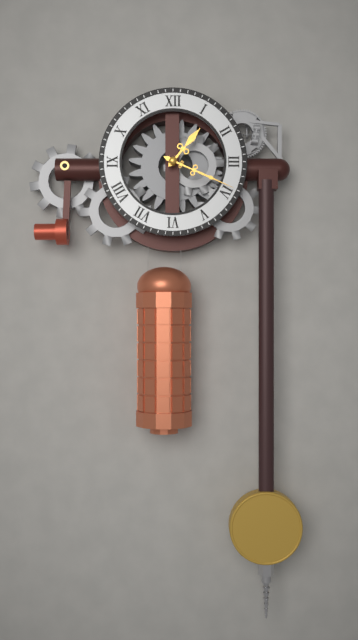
1,19
